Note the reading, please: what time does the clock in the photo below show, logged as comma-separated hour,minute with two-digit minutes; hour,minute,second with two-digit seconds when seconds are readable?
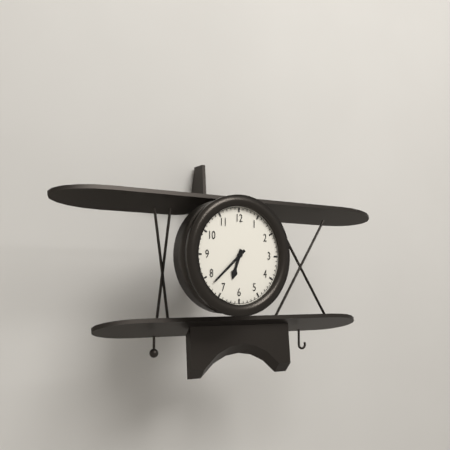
6,38
